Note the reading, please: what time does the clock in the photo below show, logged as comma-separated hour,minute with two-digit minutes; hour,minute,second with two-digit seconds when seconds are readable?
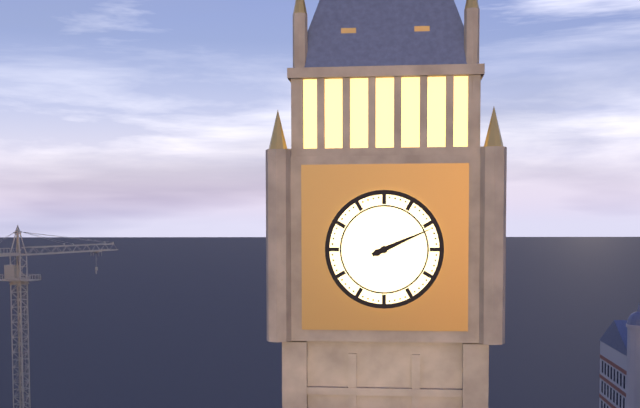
2,11
